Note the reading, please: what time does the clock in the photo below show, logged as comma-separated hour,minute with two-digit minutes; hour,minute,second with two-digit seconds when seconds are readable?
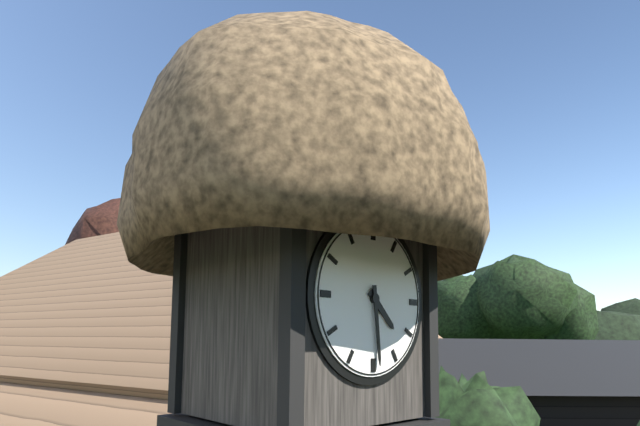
4,29
